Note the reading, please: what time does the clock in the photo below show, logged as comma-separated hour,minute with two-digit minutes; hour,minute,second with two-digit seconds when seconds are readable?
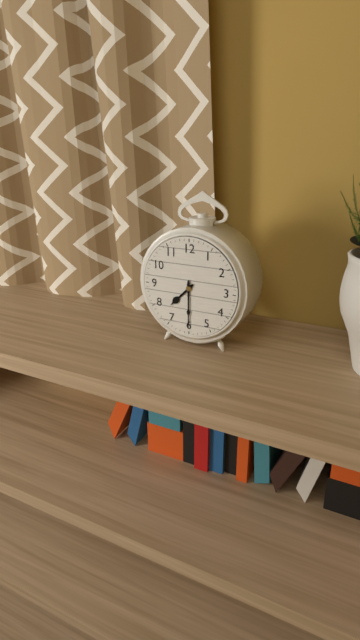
7,30
